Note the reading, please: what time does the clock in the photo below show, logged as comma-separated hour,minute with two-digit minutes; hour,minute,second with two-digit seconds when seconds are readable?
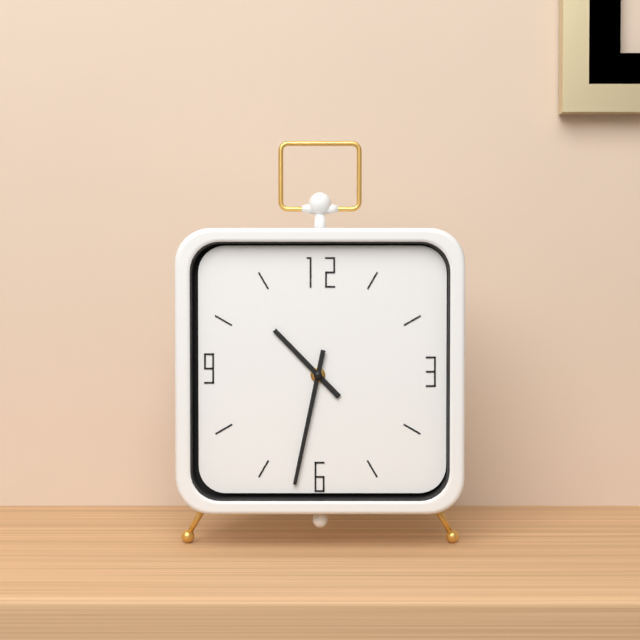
10,32
